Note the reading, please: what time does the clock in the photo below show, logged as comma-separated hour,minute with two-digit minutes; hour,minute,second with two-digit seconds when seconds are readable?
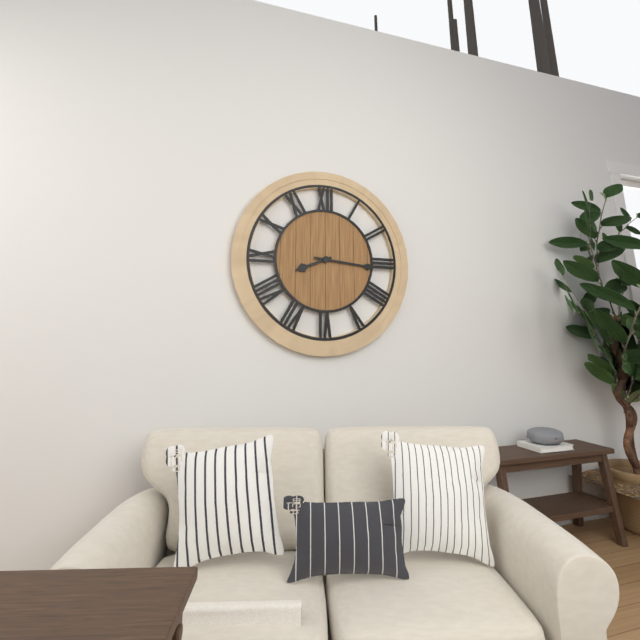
8,16
